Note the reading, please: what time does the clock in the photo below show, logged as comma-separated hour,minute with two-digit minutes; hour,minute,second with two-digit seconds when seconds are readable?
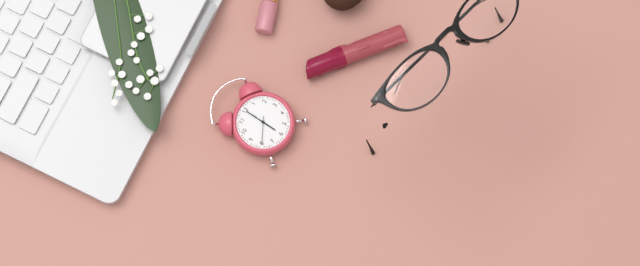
6,00
